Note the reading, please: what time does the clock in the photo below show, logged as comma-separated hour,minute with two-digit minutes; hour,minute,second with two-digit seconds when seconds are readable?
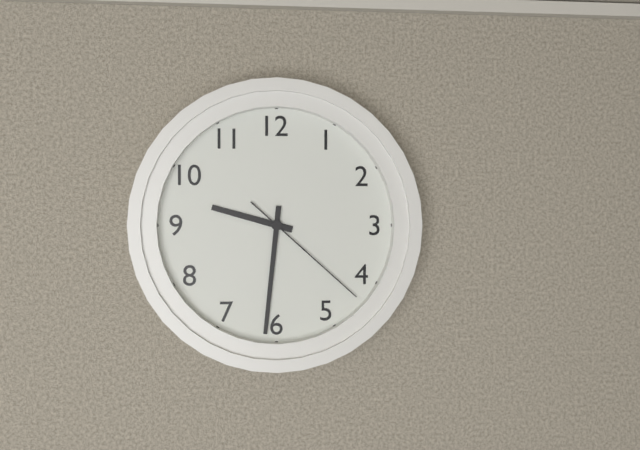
9,31,22
